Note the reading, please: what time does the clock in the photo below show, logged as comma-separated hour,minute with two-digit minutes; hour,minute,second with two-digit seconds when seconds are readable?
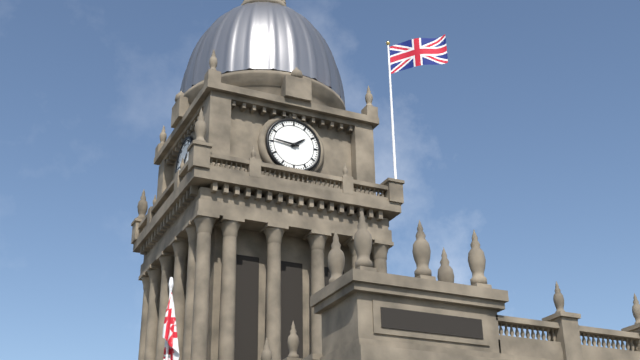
1,46
